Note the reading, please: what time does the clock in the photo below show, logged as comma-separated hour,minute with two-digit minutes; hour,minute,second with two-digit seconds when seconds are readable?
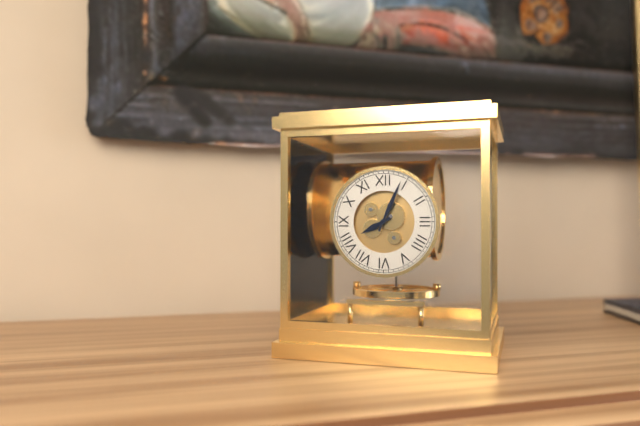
8,04
